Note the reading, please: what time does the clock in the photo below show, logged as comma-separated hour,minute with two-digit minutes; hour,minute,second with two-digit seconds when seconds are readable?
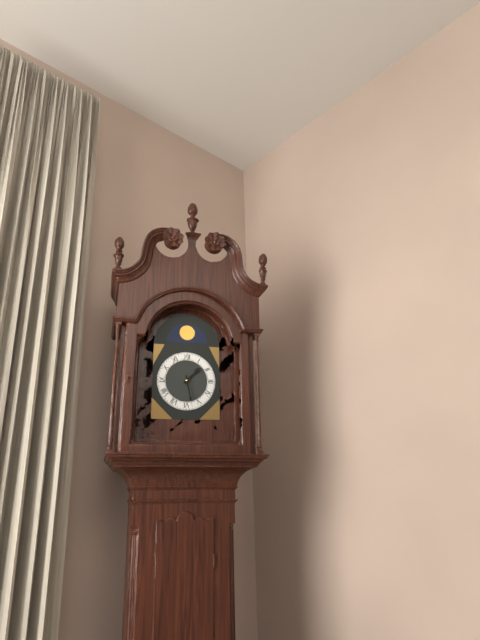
1,28
